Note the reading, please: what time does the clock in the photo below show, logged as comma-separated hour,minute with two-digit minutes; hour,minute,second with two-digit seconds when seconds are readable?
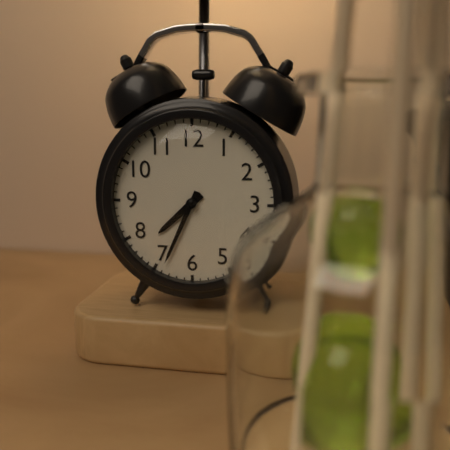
7,34
